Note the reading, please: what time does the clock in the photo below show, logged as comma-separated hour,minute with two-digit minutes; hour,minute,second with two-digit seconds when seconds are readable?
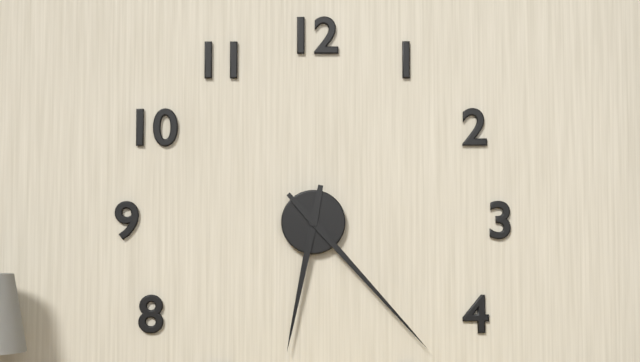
6,23
